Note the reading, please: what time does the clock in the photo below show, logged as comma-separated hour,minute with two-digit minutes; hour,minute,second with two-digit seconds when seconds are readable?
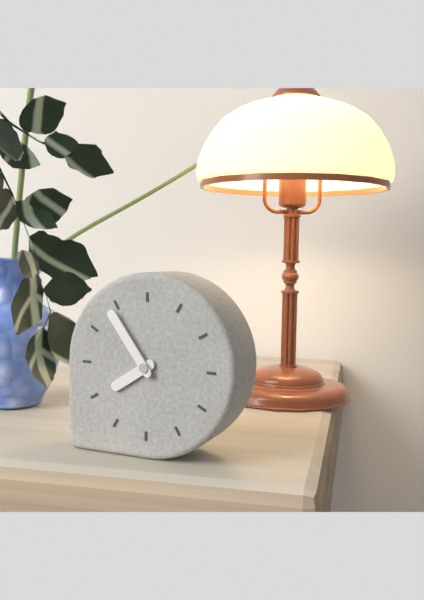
7,54
